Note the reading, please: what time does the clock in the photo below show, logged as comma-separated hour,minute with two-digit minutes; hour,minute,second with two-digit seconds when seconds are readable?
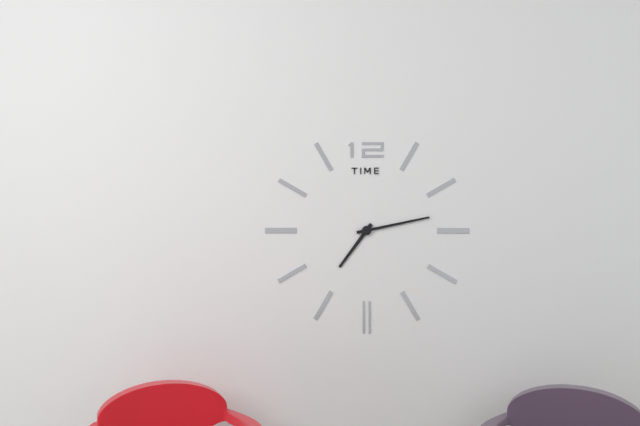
7,13
